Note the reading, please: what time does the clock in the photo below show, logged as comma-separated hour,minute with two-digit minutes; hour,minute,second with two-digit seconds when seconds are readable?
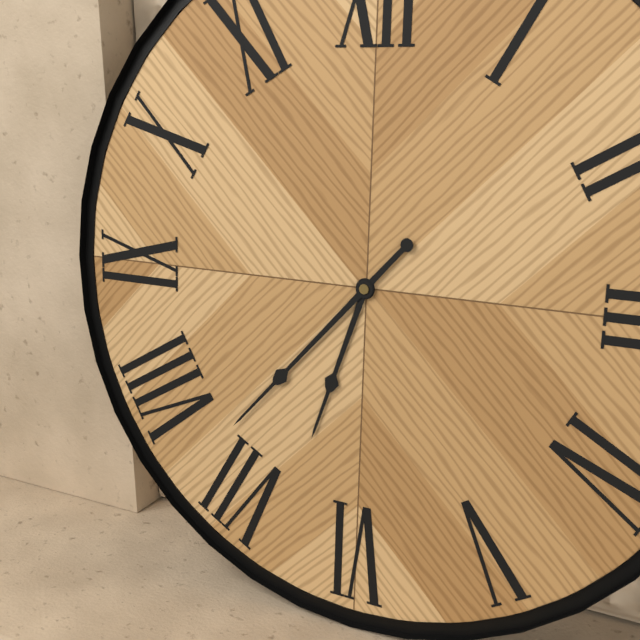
6,37
